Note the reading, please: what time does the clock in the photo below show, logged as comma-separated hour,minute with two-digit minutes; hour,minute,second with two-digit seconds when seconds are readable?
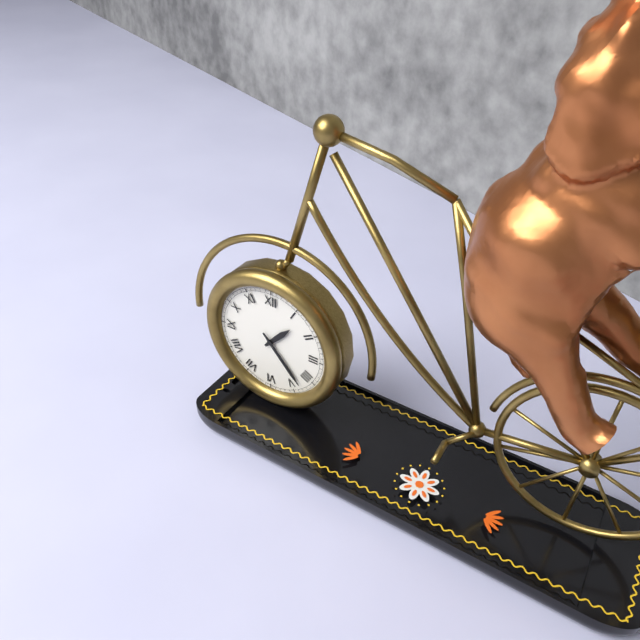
1,23
